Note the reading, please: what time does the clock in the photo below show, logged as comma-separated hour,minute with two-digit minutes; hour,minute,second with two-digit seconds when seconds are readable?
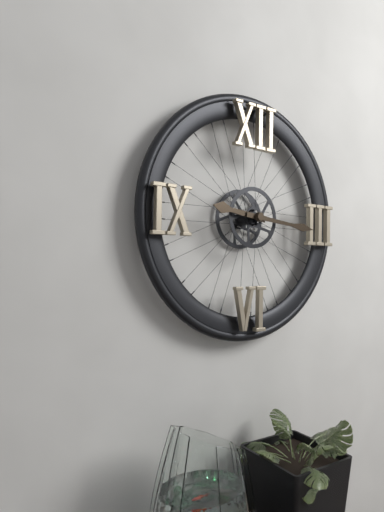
9,16
